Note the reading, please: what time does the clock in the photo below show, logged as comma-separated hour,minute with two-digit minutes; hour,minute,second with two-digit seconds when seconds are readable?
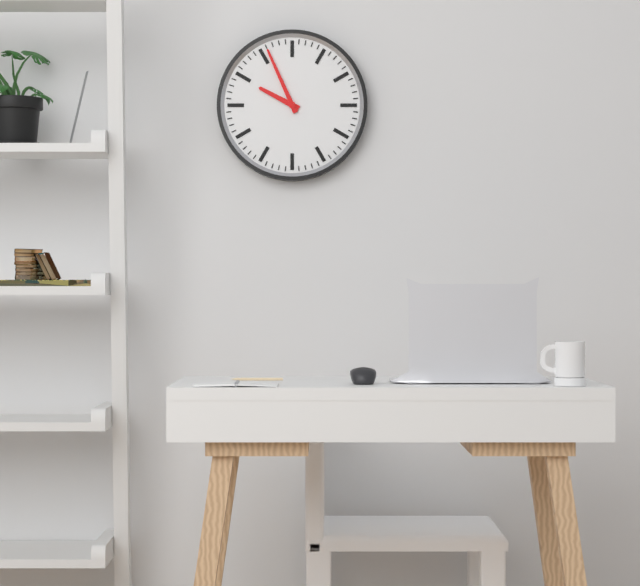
9,56
